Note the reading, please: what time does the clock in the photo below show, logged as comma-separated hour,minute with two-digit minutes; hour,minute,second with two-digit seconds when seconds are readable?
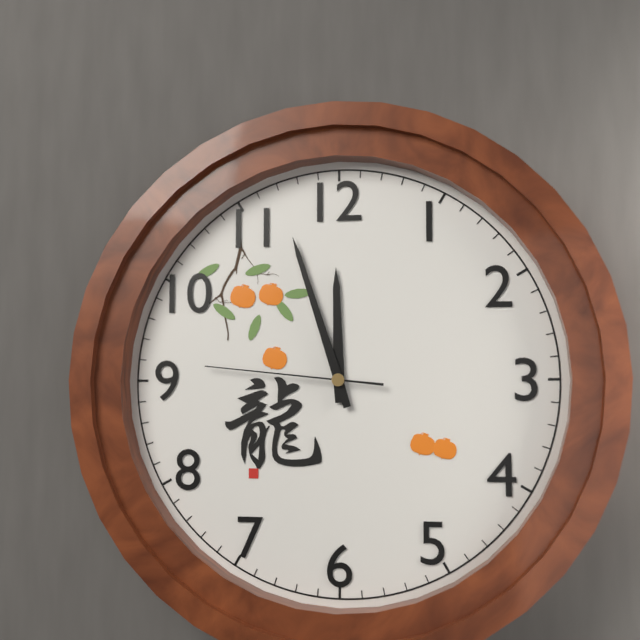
11,57,46
